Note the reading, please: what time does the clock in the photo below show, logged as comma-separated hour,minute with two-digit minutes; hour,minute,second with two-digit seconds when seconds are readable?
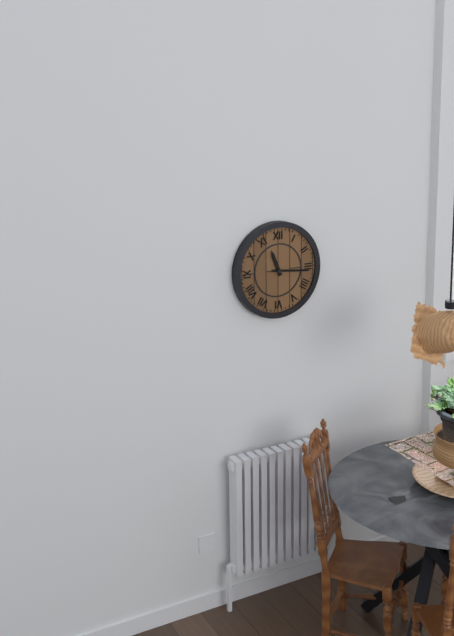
11,16
